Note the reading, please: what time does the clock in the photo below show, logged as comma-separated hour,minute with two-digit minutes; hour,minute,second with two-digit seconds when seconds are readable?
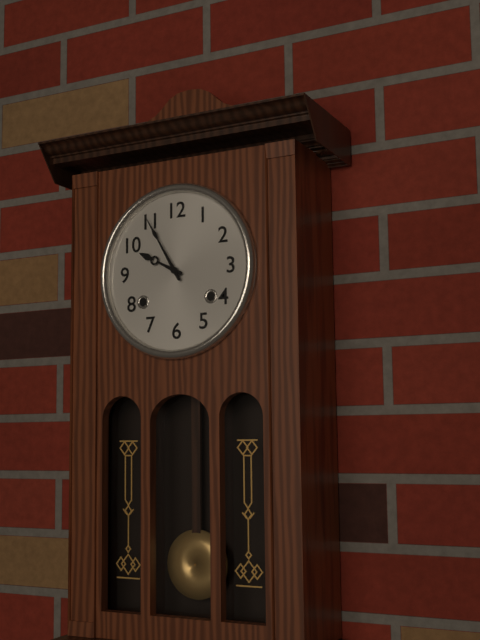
9,55
